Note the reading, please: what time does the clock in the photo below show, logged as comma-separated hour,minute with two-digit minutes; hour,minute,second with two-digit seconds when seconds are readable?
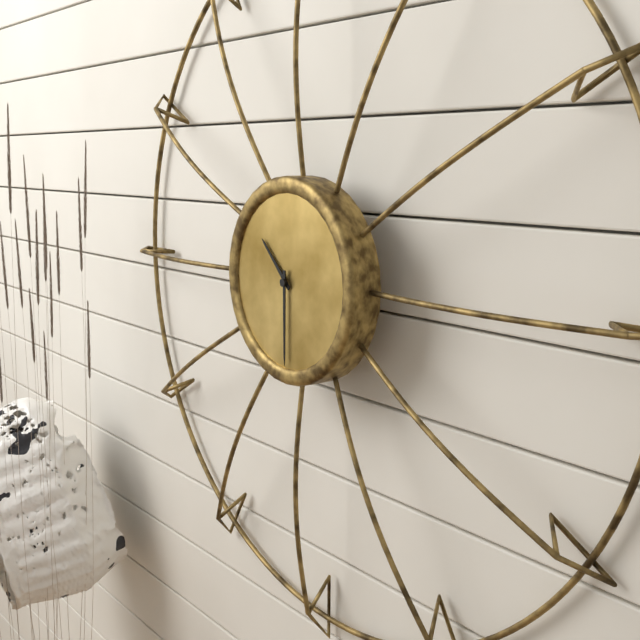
10,30
